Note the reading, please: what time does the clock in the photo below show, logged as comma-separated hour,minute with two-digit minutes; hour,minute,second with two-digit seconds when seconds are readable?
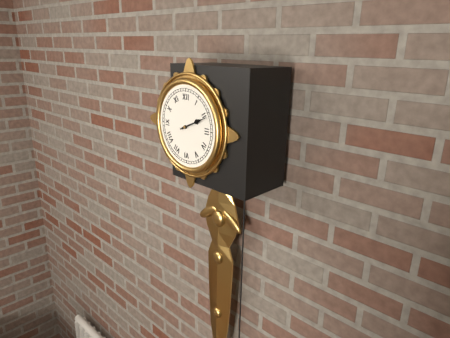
2,11
